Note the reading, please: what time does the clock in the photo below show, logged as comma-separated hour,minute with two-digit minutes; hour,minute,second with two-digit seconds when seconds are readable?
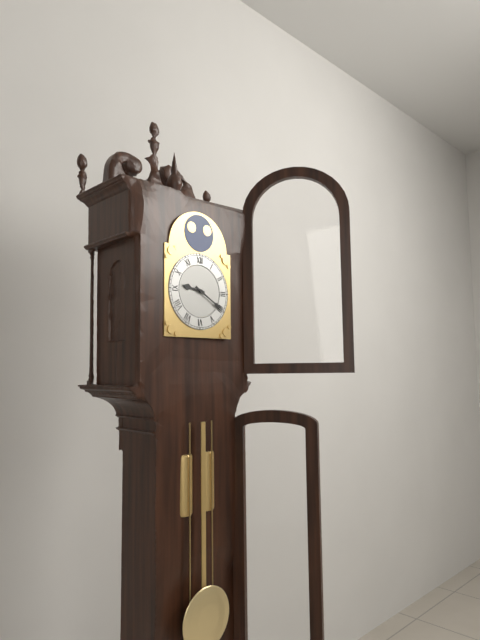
9,20
